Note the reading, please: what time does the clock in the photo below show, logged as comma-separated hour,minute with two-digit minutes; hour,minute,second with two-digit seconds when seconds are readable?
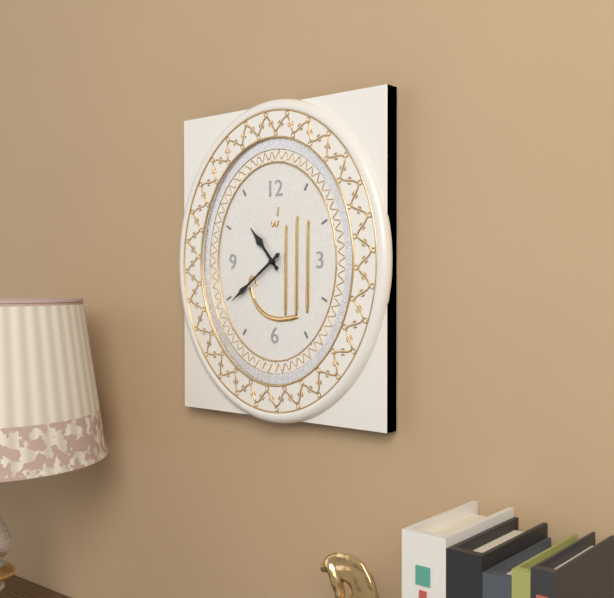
10,39
